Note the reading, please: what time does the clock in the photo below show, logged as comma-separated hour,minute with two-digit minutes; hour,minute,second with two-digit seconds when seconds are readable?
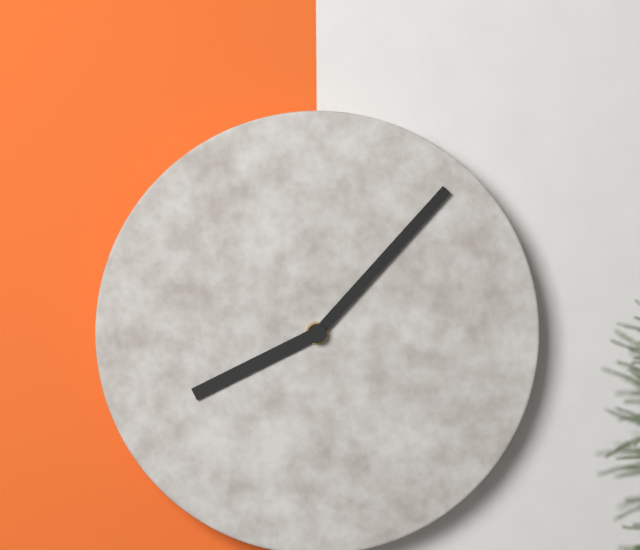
8,07
